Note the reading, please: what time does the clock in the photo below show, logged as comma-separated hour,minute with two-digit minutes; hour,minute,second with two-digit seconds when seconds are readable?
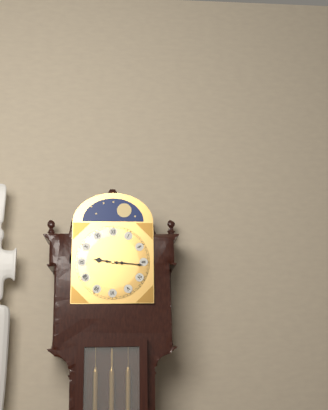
9,16
